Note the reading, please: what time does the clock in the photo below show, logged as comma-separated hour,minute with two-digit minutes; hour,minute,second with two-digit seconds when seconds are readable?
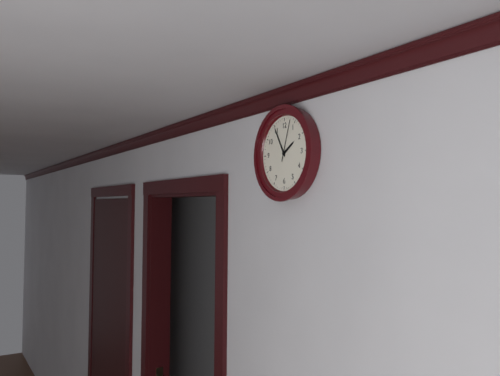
1,55
